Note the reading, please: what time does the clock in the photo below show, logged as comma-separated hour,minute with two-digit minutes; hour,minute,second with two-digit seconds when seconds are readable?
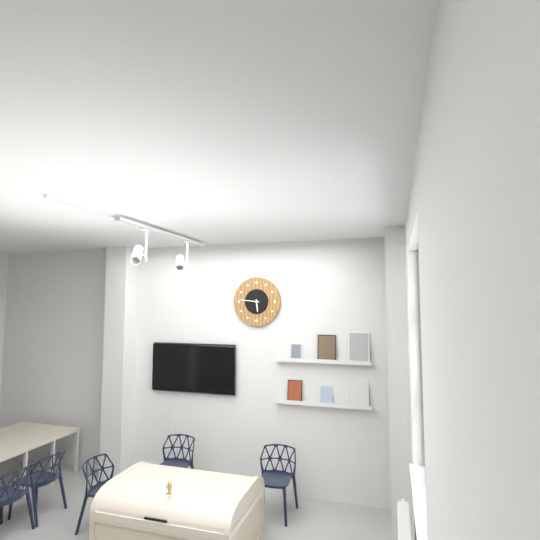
5,46
